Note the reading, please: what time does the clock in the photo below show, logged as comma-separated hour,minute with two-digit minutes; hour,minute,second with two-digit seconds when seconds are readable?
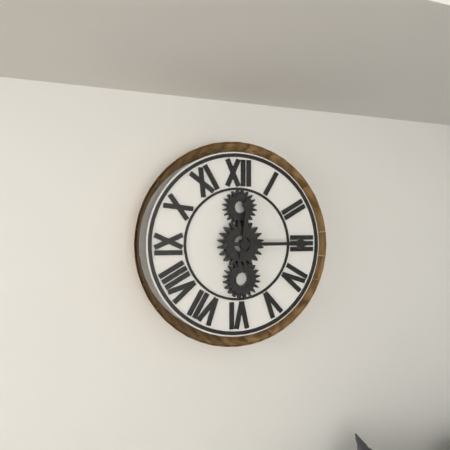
12,15
